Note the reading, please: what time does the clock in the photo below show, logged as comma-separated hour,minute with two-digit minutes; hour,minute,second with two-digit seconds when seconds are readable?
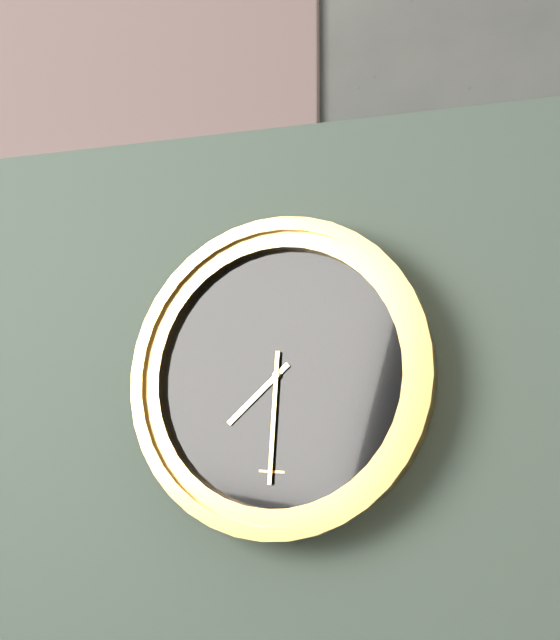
7,30
